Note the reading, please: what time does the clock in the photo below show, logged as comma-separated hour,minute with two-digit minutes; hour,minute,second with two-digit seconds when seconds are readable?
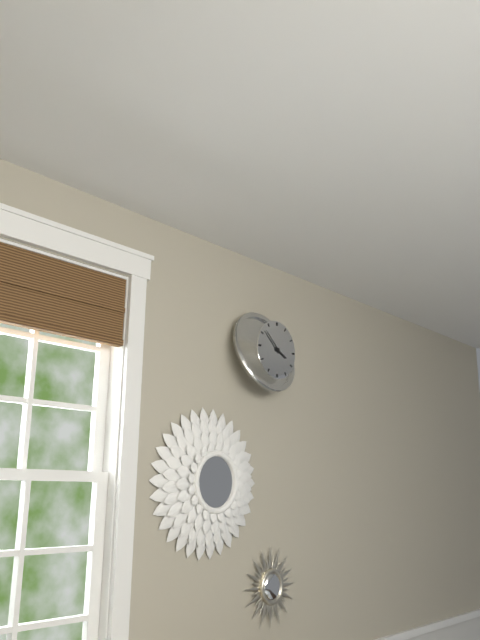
3,52
